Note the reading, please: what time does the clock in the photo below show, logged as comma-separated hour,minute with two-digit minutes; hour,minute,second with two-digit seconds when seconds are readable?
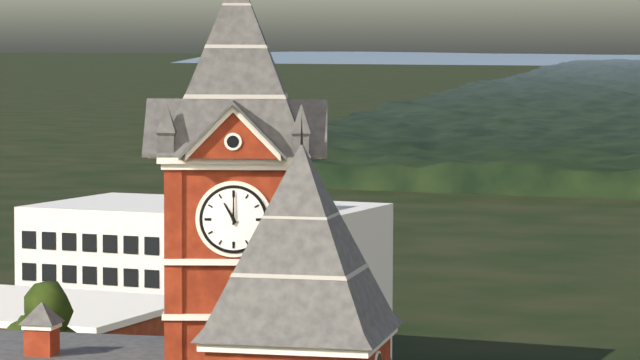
11,00
